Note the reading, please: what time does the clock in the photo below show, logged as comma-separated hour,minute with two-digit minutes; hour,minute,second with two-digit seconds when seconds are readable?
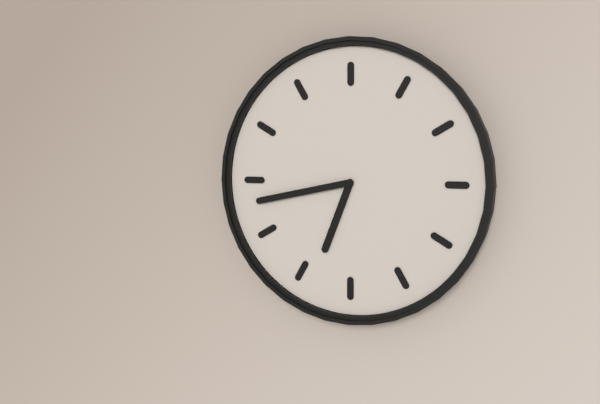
6,43
